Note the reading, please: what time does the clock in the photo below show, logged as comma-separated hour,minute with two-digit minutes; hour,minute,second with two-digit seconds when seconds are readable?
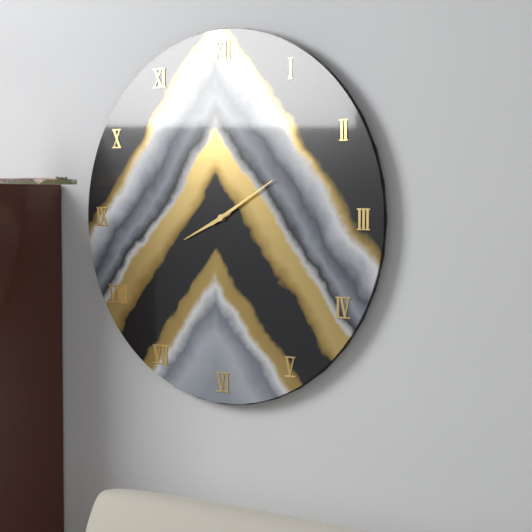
8,10
